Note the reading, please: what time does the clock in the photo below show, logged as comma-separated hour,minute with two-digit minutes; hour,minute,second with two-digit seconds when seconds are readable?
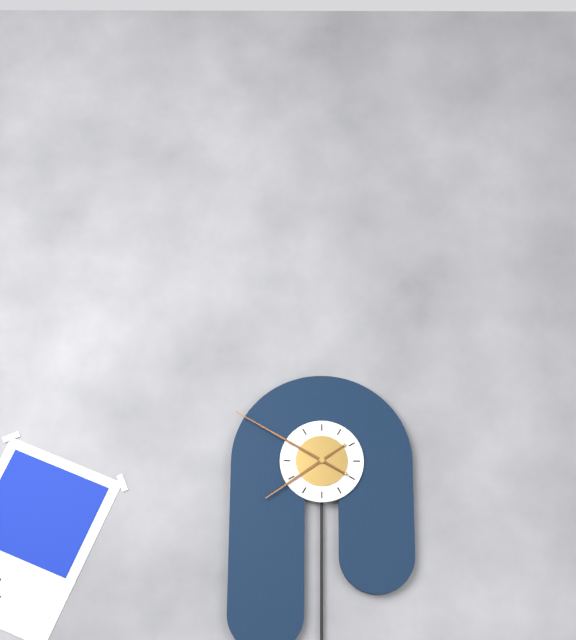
7,50
